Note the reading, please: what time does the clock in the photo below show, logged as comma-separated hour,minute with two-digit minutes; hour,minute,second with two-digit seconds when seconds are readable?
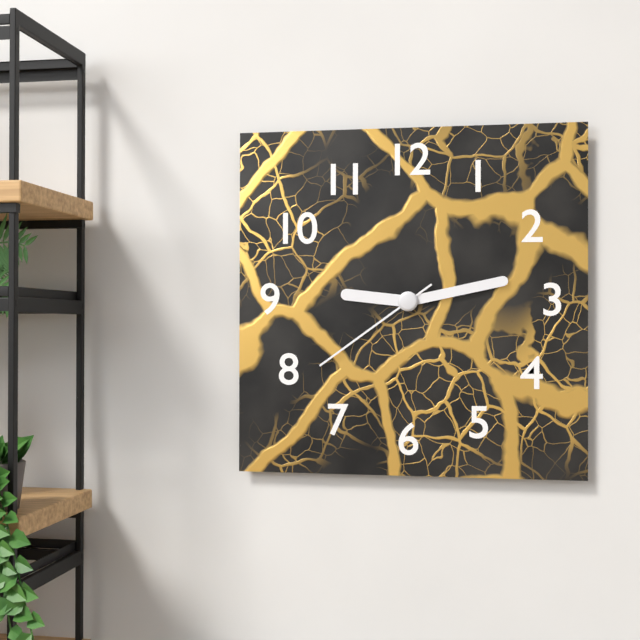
9,13,39
